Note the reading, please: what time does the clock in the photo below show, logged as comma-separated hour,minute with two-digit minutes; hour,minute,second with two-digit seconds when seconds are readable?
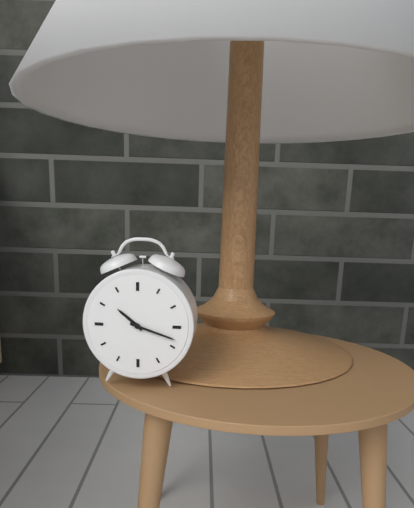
10,18
